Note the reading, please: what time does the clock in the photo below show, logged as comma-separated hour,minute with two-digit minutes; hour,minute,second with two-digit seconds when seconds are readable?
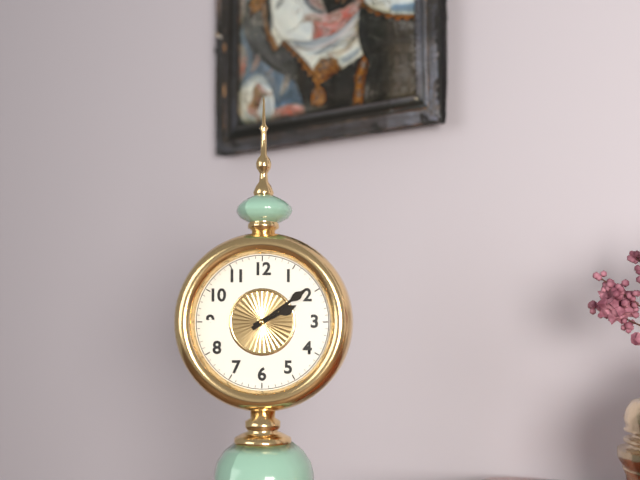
2,09
